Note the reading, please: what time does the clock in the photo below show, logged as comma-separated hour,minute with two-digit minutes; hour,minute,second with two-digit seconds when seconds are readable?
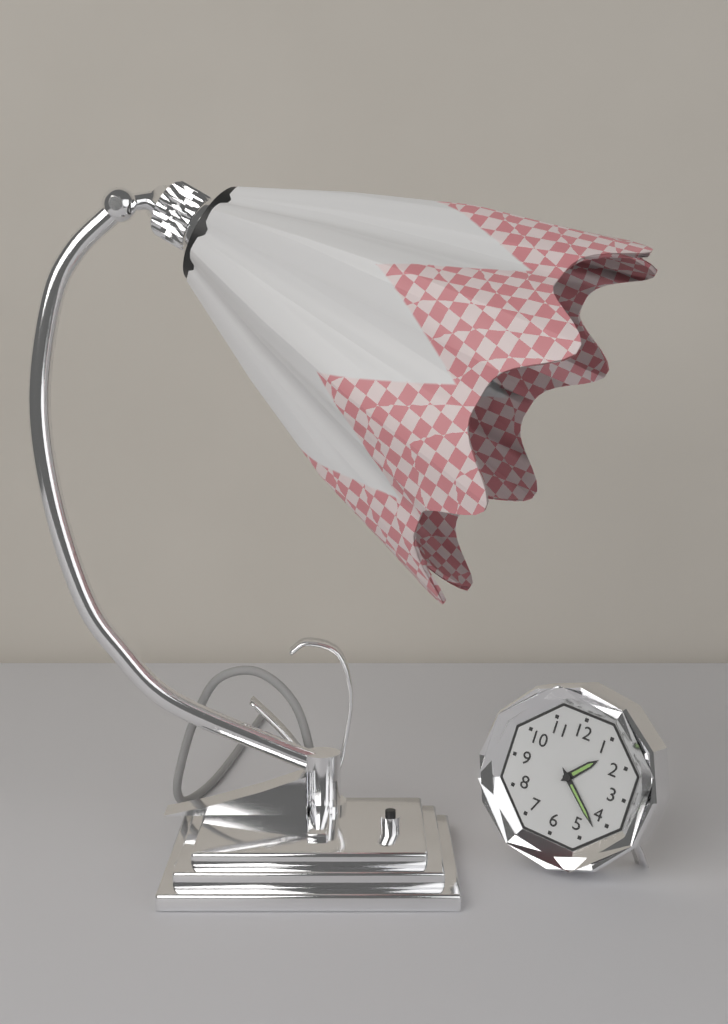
1,22
